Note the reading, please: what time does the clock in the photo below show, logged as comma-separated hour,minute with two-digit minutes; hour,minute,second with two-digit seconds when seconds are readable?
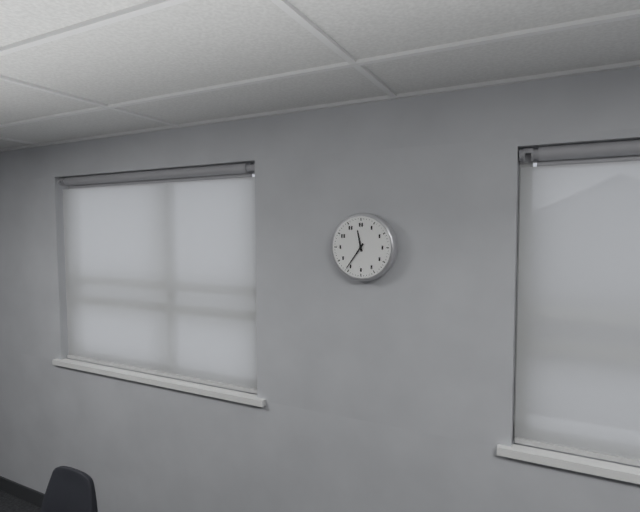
11,36
